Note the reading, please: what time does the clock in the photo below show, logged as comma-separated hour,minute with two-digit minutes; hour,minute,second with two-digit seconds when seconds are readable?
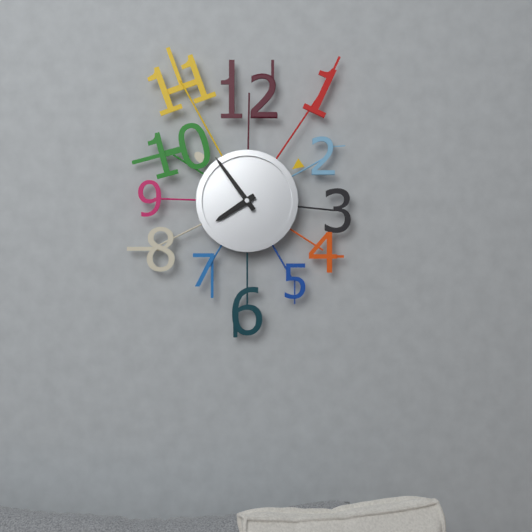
7,54
